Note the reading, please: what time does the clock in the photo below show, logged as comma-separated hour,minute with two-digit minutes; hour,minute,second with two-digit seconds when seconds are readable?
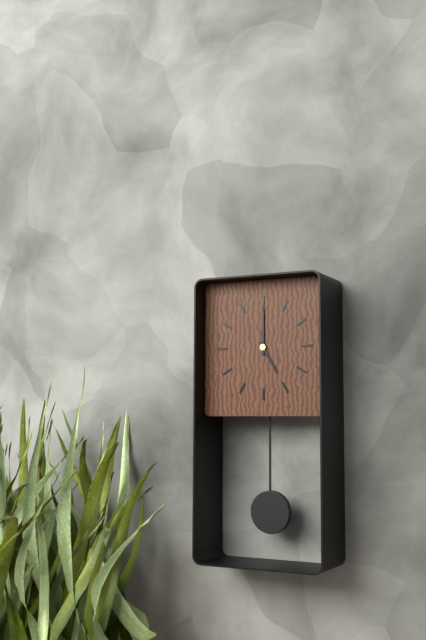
5,00
